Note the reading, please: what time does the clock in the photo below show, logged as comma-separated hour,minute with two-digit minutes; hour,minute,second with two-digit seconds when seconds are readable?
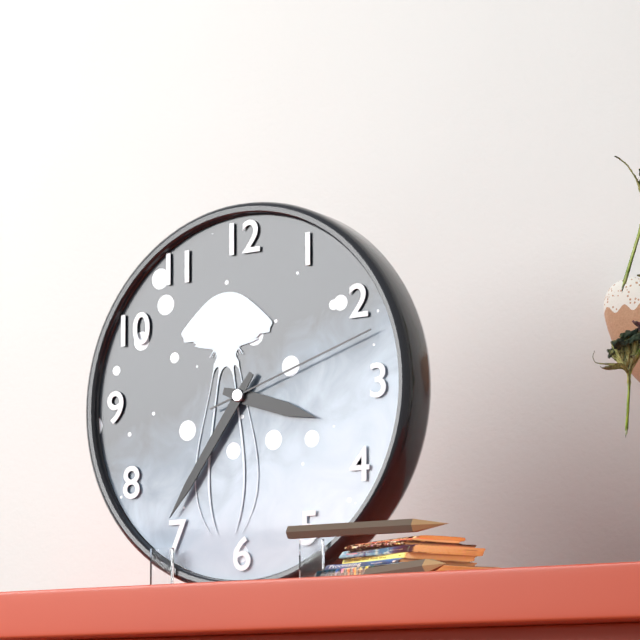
3,36,12
